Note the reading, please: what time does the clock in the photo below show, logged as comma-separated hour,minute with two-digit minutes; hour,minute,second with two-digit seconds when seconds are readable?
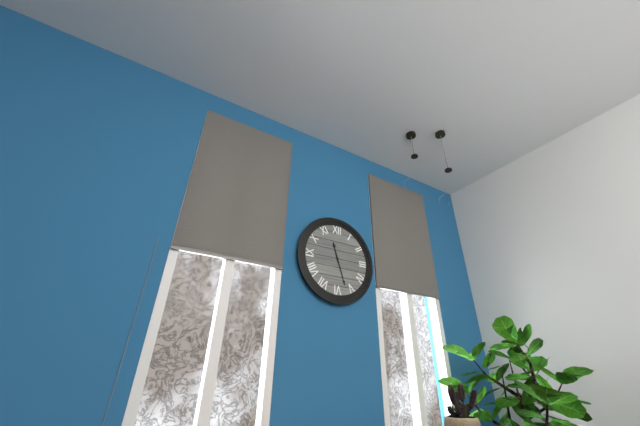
11,27
